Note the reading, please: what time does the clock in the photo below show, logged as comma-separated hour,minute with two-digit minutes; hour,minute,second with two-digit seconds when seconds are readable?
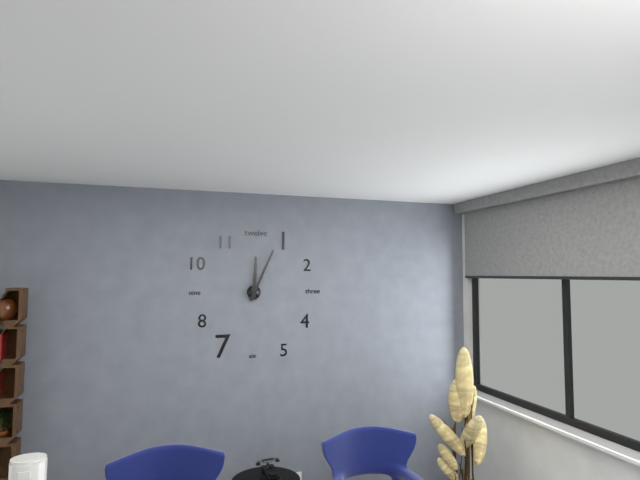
12,04
